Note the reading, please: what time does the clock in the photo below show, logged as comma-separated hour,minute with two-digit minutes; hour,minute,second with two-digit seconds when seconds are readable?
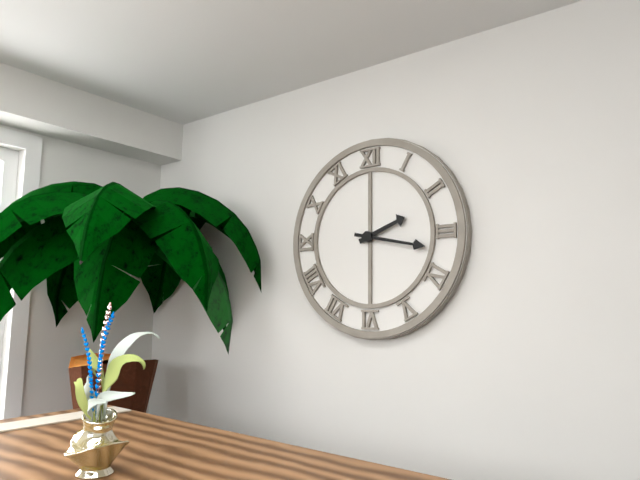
2,17
